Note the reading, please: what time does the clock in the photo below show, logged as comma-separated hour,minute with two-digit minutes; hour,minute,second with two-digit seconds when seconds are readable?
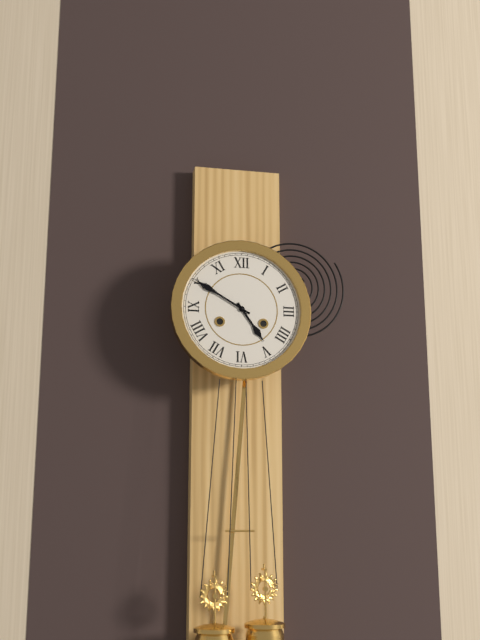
4,50
